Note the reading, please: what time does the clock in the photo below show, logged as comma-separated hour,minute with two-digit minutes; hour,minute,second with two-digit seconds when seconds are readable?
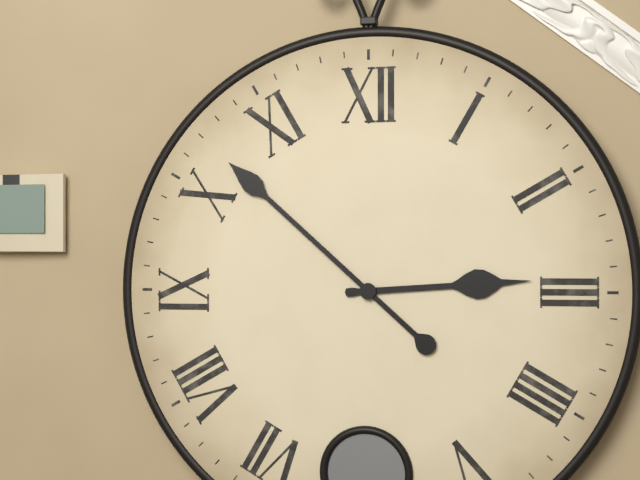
2,52
